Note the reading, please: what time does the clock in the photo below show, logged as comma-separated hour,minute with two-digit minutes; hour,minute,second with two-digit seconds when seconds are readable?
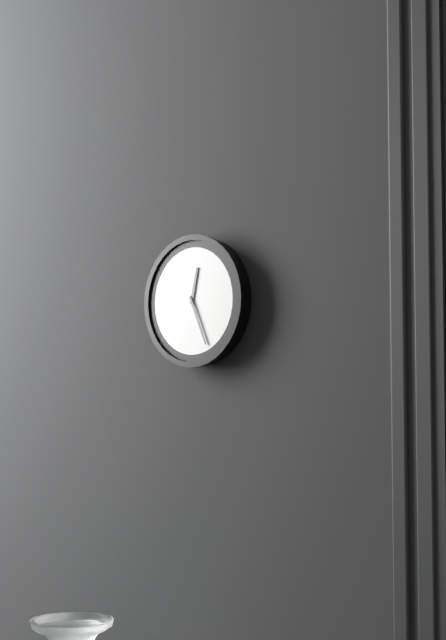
12,26
